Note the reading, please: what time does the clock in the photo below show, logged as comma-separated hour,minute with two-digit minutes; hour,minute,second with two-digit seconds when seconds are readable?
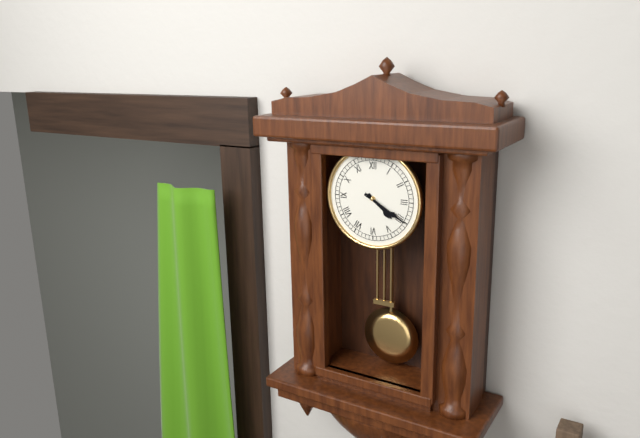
4,20
